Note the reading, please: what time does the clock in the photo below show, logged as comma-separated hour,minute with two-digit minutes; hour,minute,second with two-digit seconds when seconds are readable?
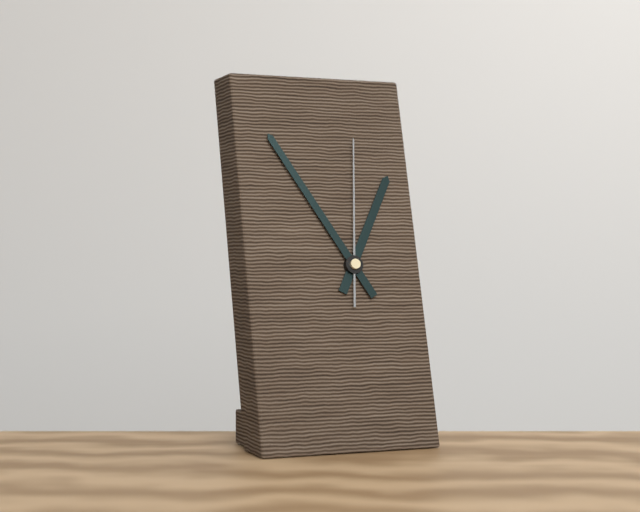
12,55,01
